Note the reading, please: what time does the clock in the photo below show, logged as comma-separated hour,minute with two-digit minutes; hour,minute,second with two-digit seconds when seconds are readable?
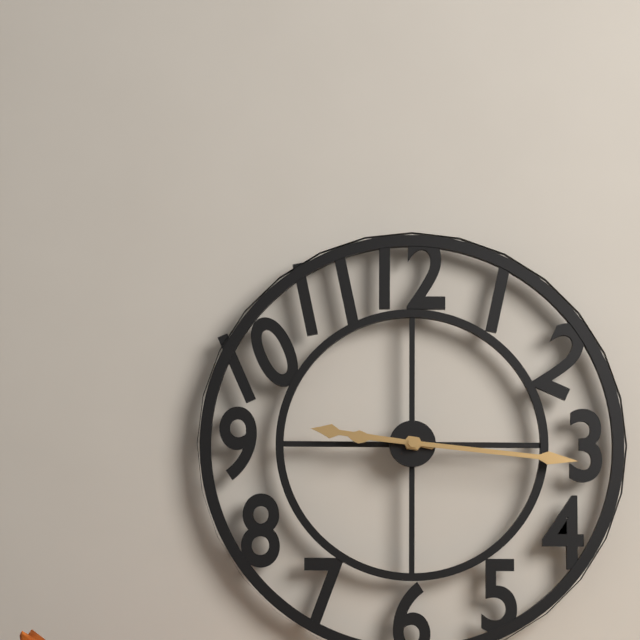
9,16
